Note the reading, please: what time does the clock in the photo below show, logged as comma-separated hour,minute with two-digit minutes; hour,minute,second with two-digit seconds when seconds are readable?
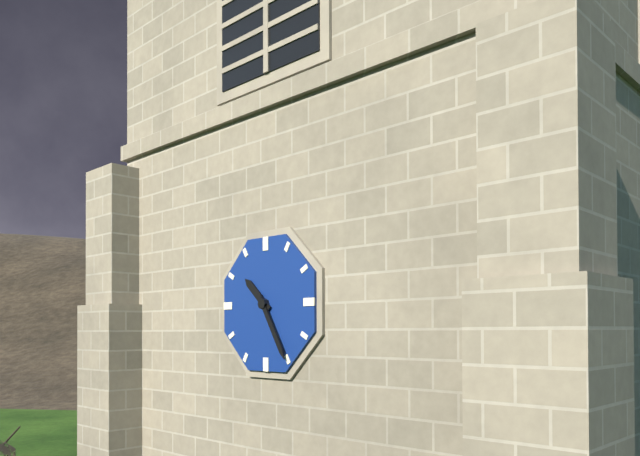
10,25
